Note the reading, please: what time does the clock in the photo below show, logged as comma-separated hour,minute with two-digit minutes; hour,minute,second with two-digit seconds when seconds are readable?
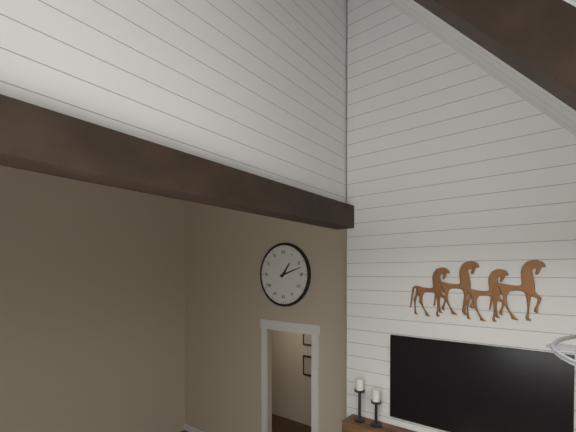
1,12
